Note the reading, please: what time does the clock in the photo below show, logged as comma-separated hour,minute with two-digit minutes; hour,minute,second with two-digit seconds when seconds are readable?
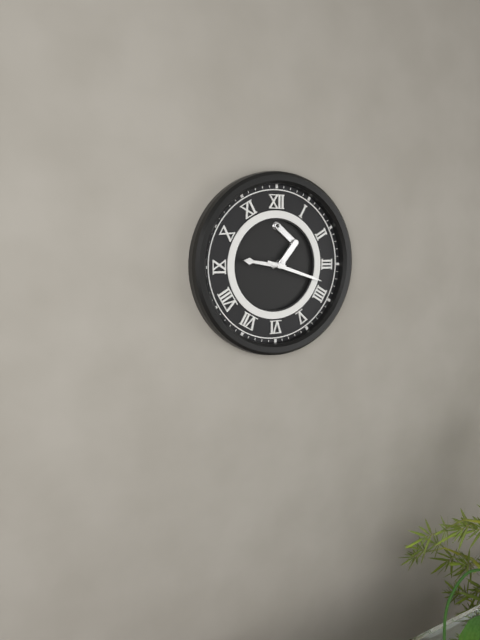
9,18
